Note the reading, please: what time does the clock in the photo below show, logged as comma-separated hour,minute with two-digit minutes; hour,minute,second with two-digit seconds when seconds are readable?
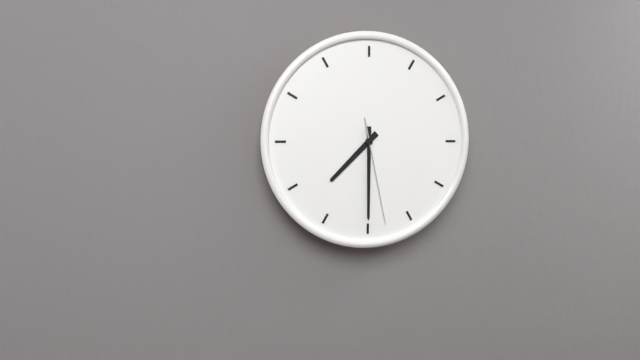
7,30,28
